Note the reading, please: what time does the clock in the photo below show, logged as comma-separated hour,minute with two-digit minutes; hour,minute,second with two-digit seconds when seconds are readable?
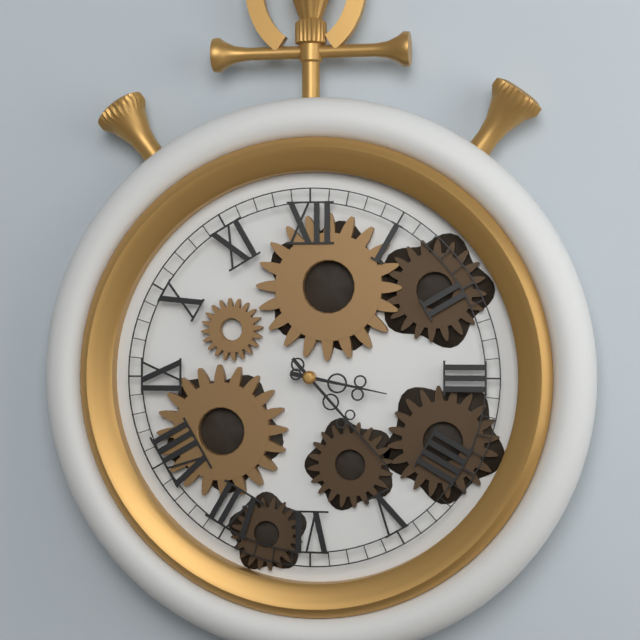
3,23
